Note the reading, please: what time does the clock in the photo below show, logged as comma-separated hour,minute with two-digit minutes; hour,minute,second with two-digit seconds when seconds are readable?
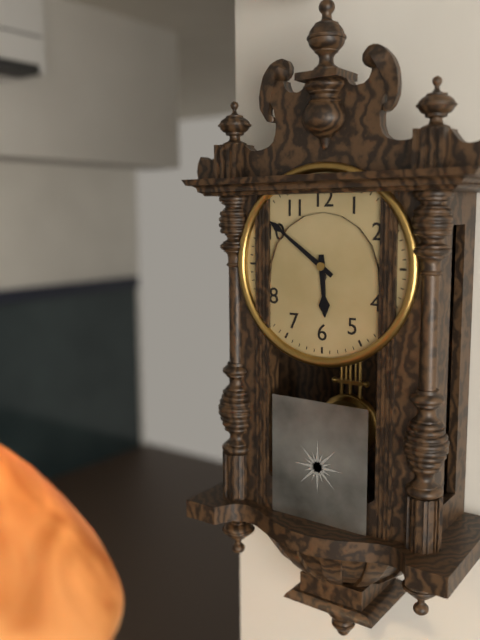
5,51
